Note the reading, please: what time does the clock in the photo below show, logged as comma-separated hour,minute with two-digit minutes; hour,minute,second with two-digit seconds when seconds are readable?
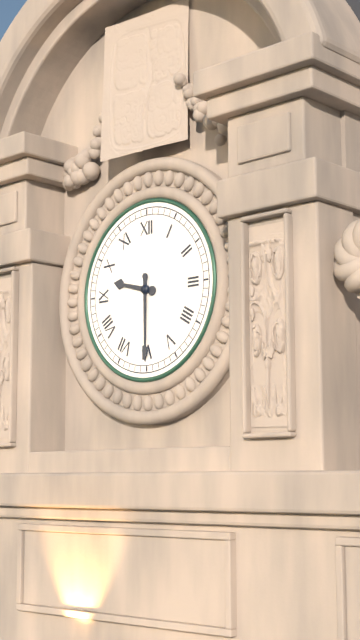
9,30
